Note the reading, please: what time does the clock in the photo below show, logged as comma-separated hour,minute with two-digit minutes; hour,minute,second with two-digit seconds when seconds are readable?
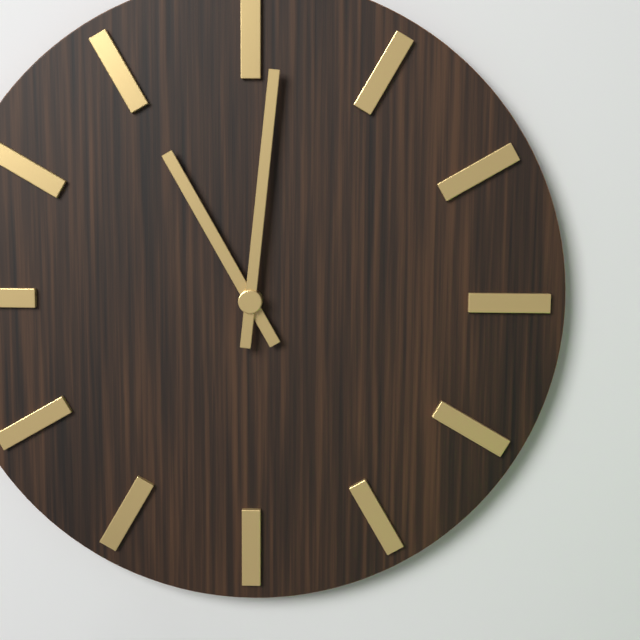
11,01
